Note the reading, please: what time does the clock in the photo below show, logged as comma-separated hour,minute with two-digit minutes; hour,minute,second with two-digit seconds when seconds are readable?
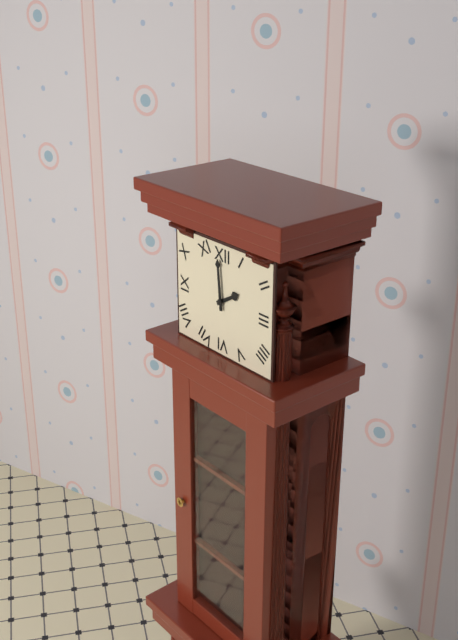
1,59
